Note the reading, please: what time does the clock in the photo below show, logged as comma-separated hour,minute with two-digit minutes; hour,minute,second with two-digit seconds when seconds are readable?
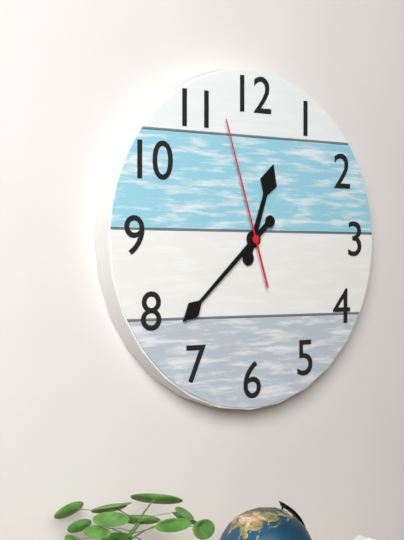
12,38,57
